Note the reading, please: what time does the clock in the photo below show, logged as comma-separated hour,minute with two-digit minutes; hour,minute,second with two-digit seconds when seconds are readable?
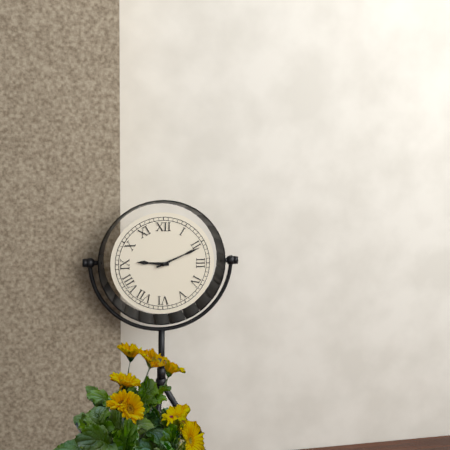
9,11
